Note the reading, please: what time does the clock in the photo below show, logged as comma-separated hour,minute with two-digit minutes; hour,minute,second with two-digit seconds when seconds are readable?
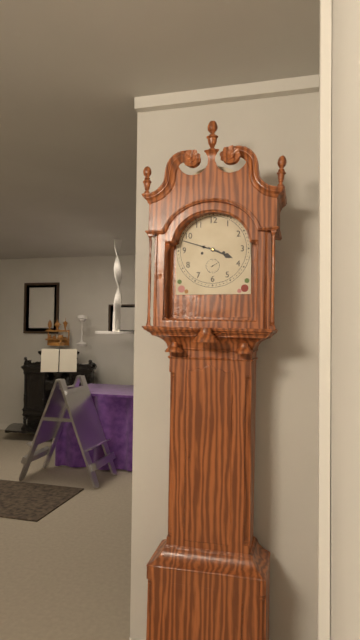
3,48
